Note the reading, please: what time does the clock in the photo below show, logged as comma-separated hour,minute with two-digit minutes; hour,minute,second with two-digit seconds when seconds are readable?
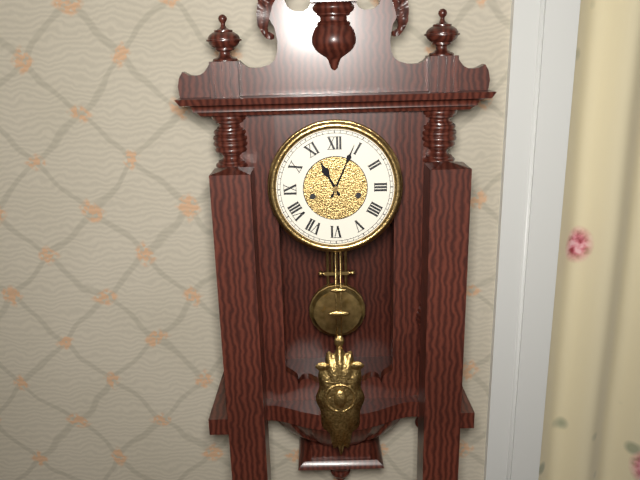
11,04
